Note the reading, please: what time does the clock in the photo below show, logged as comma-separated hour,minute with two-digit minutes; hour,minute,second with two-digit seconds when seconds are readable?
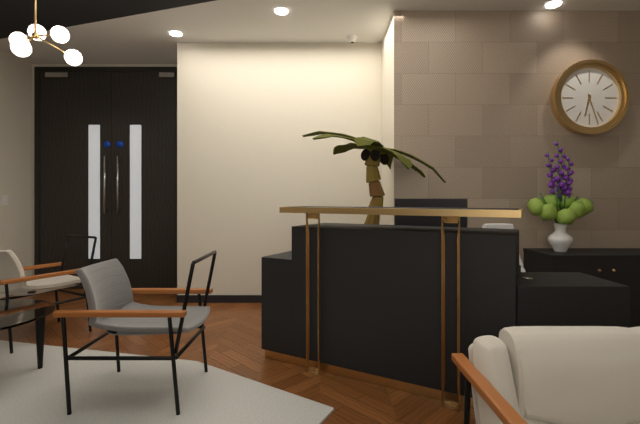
6,27
